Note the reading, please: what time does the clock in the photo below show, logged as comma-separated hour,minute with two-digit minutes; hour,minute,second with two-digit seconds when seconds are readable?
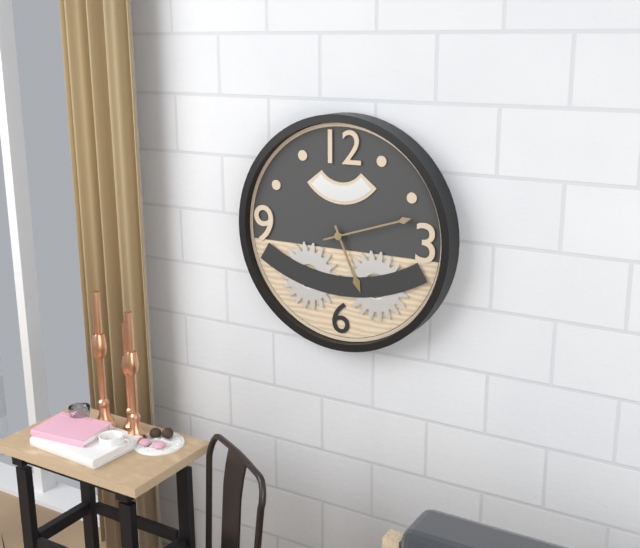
5,12
